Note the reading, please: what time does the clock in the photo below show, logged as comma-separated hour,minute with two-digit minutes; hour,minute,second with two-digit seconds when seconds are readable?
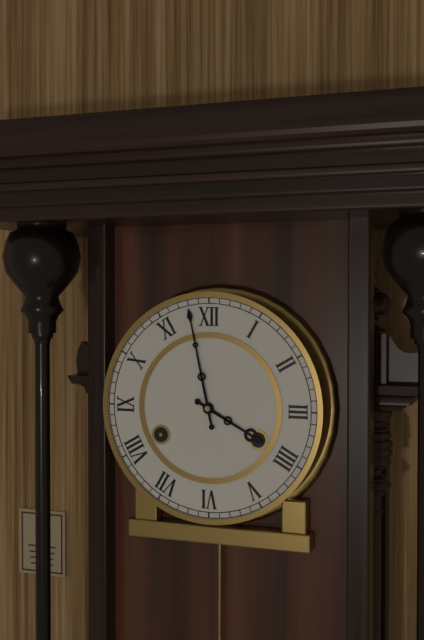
3,58
